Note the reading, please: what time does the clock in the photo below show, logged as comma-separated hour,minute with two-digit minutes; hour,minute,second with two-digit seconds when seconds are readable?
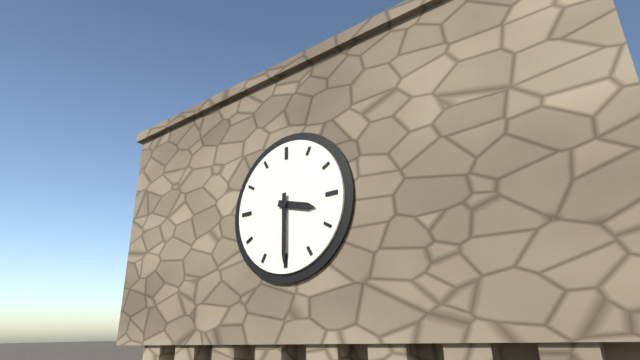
3,30
